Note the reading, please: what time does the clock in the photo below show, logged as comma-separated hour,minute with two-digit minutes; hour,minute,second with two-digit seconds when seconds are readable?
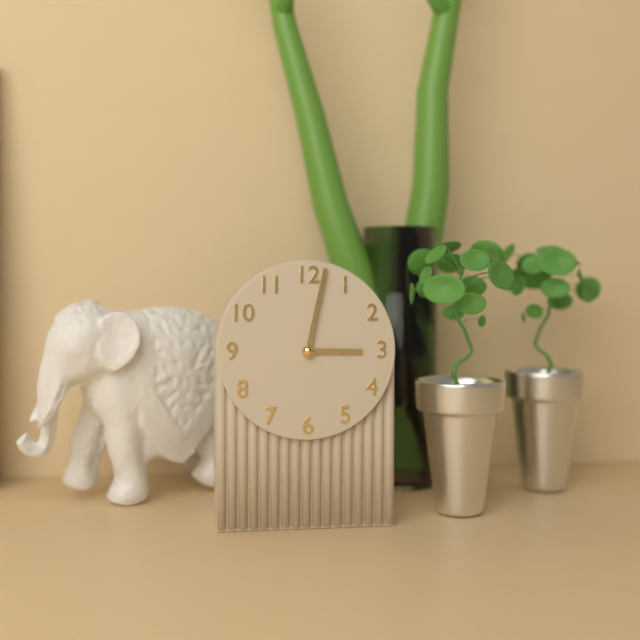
3,02
